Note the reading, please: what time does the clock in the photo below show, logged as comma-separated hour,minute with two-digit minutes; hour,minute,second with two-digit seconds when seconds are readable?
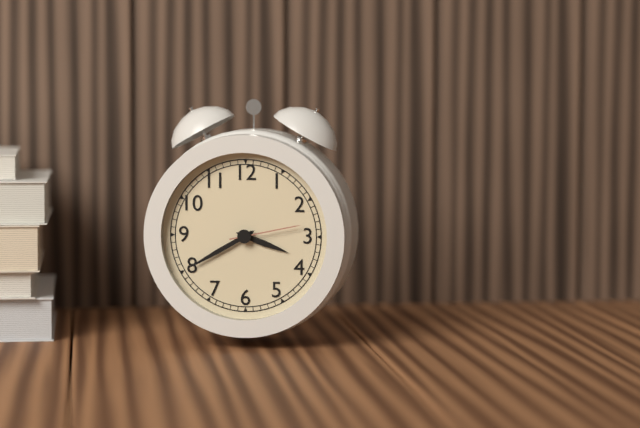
3,40,13
